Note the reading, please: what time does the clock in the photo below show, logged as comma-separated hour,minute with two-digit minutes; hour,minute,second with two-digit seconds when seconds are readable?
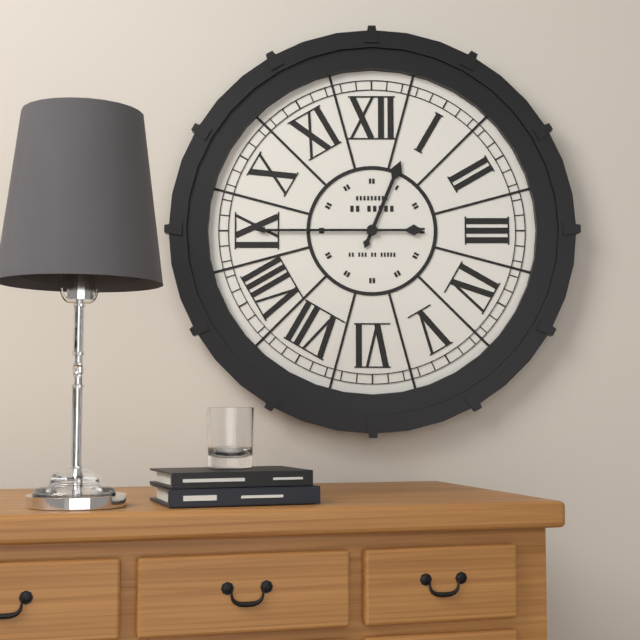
12,45
